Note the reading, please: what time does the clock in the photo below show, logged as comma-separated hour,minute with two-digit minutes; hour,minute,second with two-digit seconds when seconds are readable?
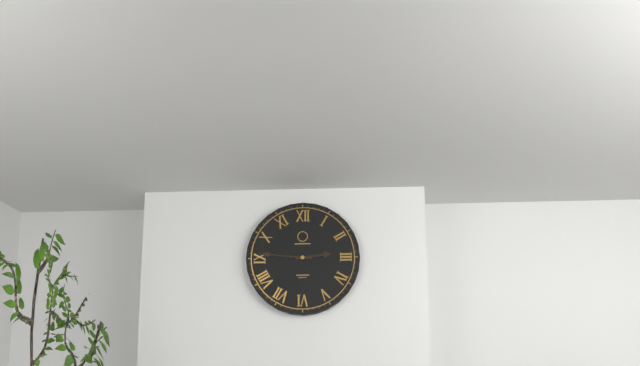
2,46
